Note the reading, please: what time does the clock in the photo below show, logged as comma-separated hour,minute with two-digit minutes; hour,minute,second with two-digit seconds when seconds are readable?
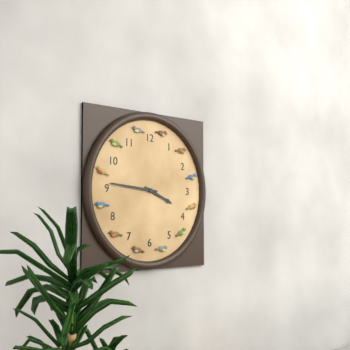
3,46
